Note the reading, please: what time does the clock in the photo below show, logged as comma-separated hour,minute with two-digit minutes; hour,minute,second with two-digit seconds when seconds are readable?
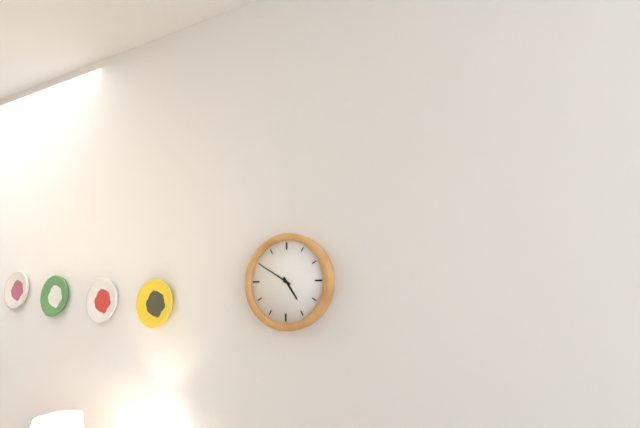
4,50
